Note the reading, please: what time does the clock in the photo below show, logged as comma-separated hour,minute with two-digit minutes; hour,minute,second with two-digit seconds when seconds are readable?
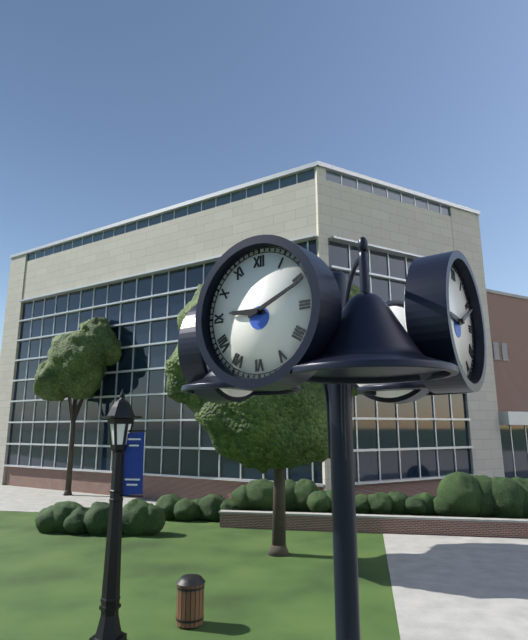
9,11
